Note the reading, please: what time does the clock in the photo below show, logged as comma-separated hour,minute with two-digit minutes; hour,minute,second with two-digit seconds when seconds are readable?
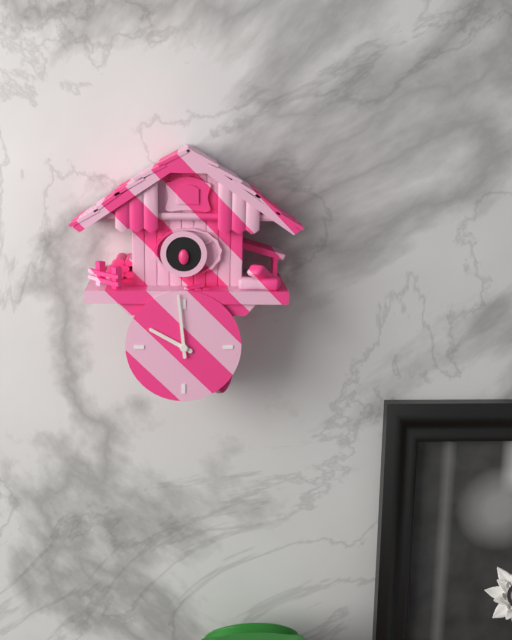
9,59
